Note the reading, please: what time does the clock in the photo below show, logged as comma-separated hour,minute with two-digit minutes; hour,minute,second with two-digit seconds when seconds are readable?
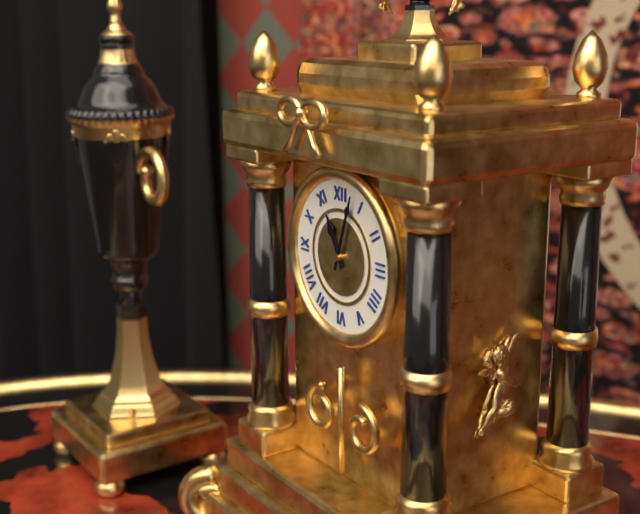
11,03
